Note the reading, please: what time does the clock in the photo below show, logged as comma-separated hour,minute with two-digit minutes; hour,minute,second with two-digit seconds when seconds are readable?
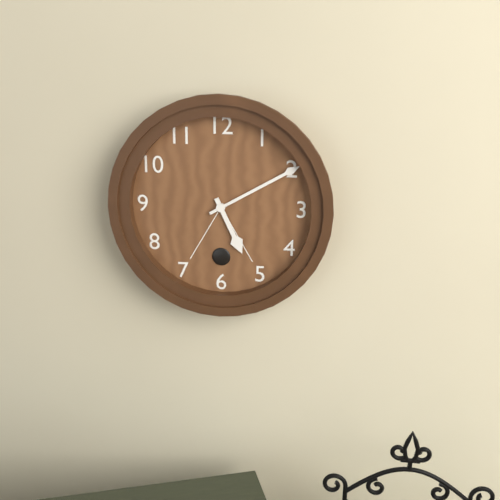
5,10
